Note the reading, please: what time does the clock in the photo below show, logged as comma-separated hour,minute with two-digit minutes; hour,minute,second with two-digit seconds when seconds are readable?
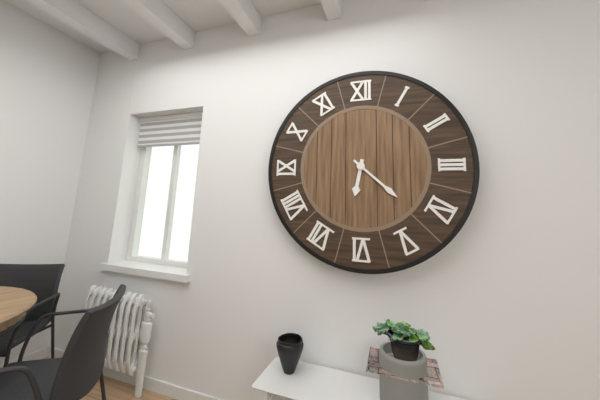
6,22
